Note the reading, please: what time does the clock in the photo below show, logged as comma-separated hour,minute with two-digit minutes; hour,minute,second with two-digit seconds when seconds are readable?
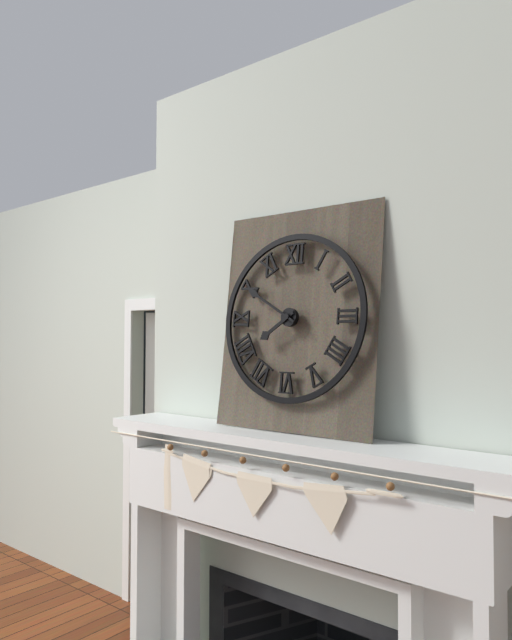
7,50
